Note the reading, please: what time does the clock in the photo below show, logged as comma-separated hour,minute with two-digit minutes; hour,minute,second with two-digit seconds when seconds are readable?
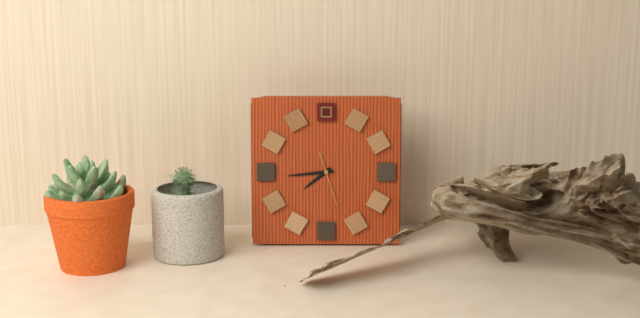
7,44,27
